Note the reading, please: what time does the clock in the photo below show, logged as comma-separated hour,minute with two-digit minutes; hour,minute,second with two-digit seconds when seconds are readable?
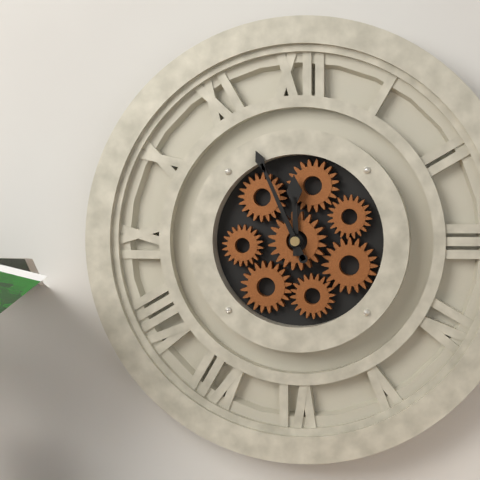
11,56
